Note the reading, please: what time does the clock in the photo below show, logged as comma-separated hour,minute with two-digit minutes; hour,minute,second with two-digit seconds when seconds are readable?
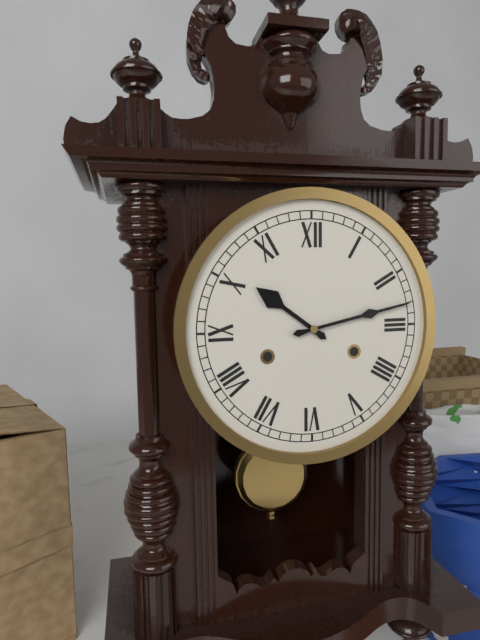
10,13
